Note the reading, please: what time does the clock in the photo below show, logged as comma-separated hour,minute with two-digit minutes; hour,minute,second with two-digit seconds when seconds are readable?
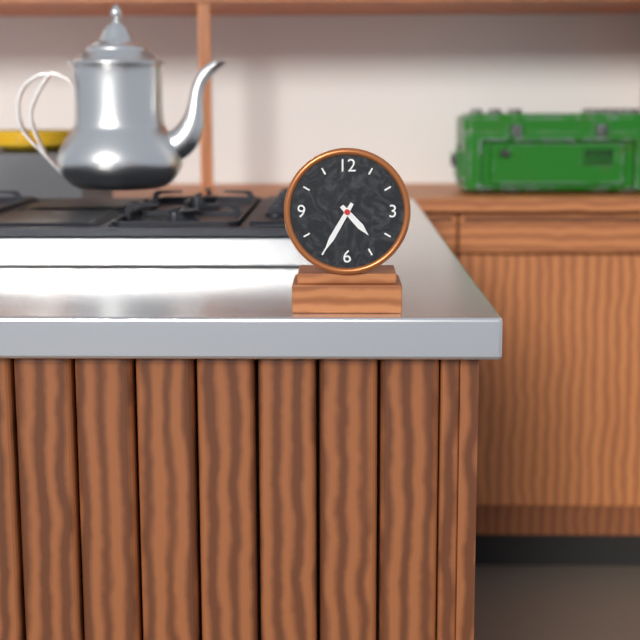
4,35
